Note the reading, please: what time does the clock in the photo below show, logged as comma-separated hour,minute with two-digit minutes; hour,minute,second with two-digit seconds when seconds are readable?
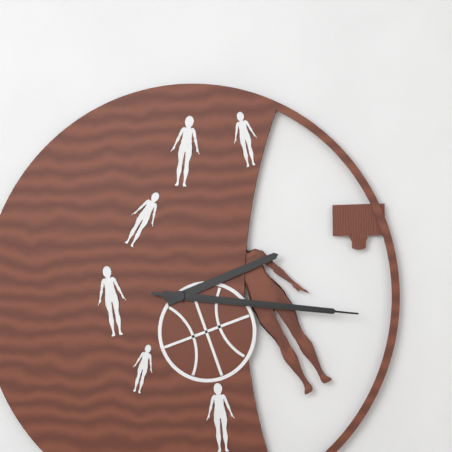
2,16,16
